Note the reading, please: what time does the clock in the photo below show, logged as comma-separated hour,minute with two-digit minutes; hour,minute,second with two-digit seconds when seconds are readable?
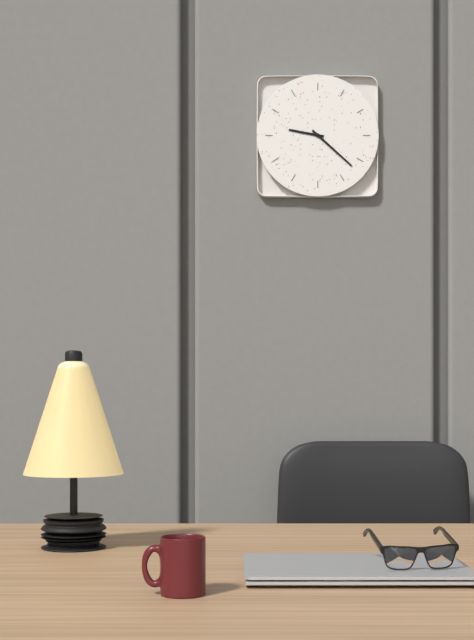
9,22
